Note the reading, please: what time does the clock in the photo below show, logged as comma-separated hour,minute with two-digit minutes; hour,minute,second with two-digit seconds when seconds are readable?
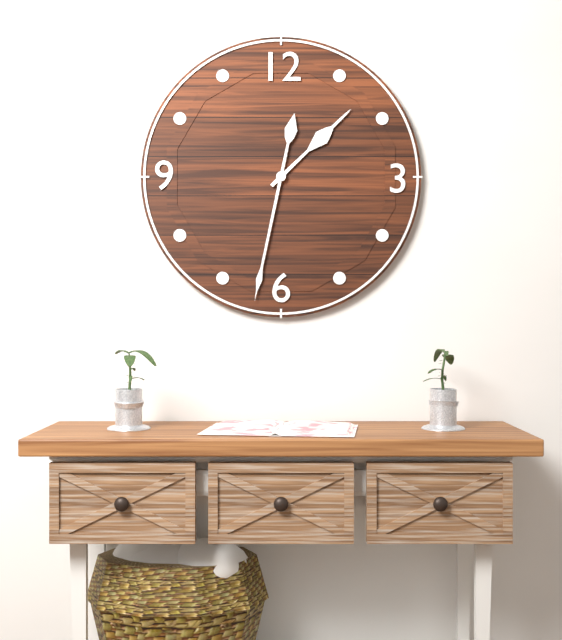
1,32
